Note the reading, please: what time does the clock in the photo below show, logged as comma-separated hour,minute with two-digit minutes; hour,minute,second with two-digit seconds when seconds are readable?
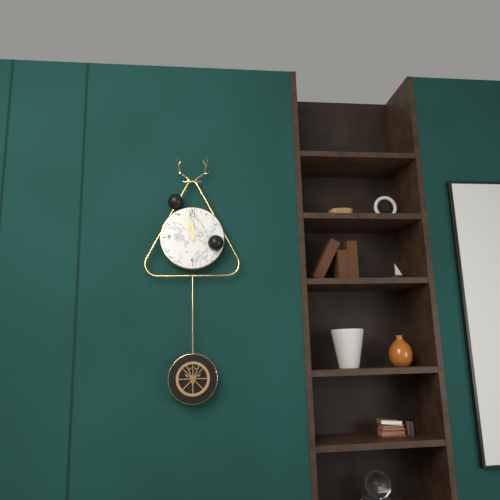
11,57
